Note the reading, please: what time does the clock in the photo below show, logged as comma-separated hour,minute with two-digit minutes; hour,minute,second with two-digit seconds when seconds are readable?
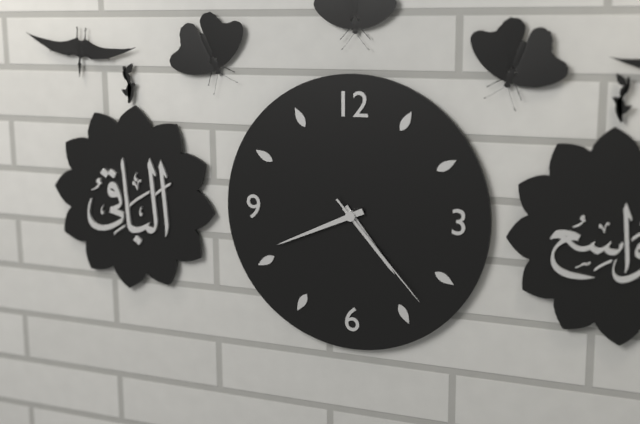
4,41,23
